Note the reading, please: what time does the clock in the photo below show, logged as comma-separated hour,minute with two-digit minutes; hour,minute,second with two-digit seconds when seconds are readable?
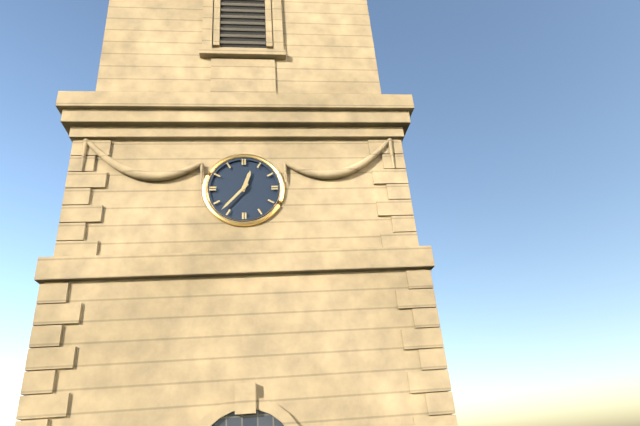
12,37
